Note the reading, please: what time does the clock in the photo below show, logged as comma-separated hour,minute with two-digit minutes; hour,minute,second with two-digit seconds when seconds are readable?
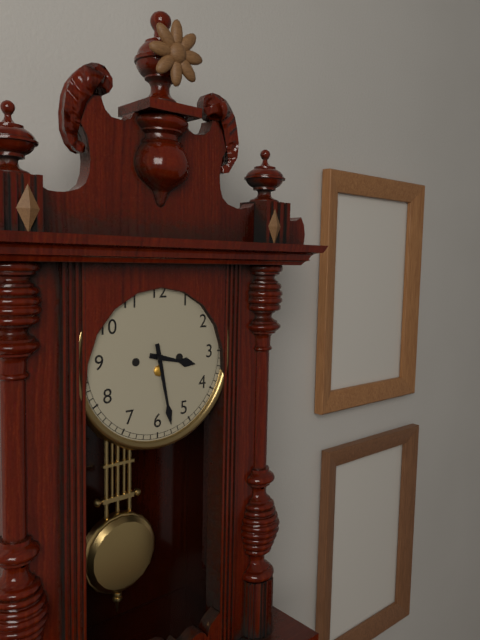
3,28
